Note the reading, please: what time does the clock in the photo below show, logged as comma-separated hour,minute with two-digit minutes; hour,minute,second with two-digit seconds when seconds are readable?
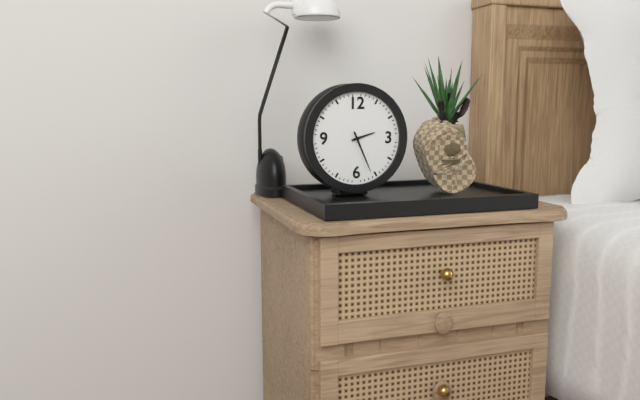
2,26
